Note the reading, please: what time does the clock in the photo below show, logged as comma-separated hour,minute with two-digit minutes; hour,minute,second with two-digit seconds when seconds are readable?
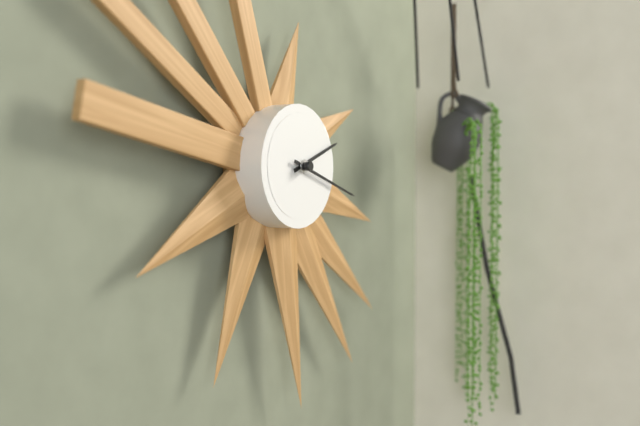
2,18
